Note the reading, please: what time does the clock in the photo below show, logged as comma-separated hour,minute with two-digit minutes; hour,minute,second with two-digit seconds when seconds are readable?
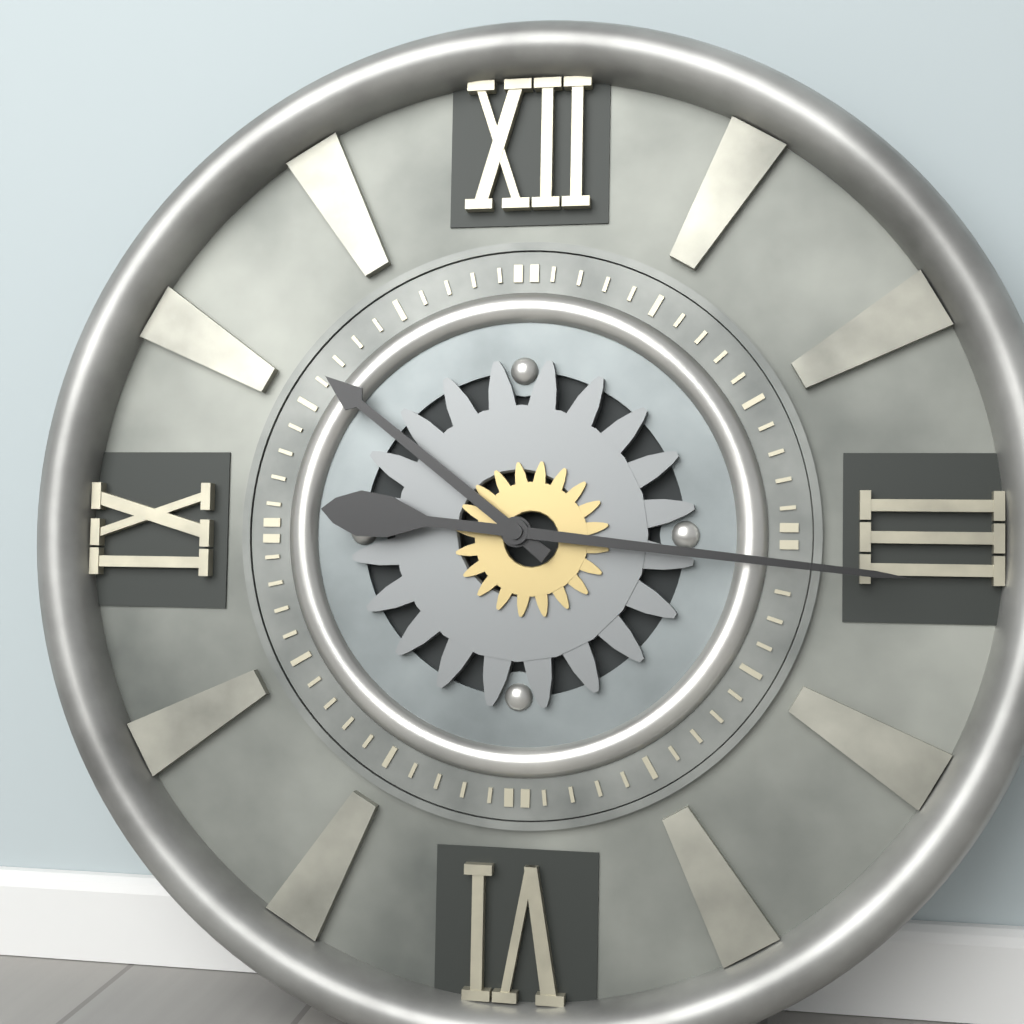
10,16
